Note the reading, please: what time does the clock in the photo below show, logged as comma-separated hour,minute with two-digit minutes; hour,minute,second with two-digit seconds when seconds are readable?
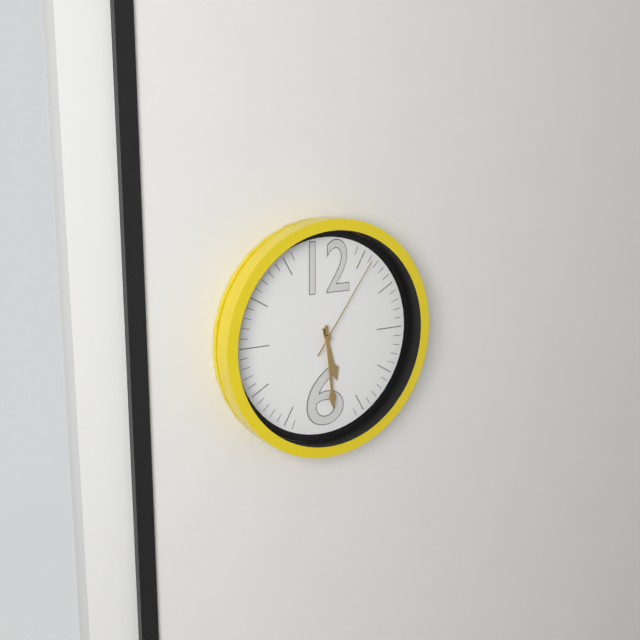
5,29,06
